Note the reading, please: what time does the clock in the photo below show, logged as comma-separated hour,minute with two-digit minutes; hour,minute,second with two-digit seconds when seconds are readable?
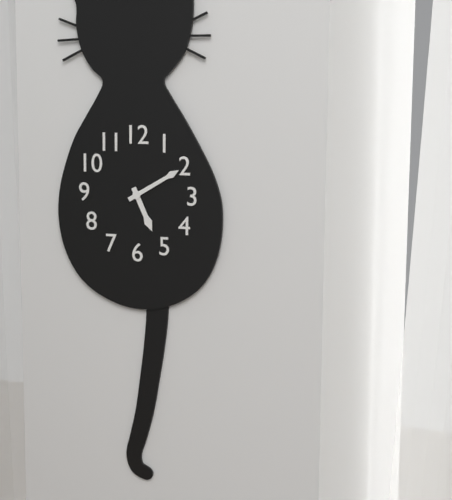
5,10
